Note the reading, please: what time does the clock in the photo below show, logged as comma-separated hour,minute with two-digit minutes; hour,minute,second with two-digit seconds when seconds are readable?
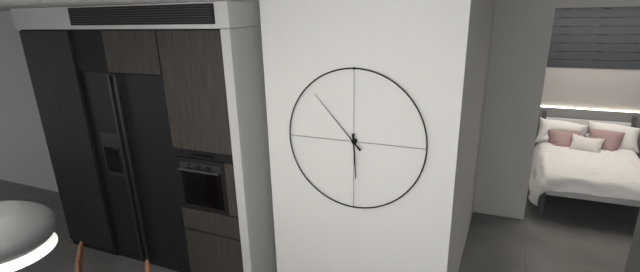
5,53
